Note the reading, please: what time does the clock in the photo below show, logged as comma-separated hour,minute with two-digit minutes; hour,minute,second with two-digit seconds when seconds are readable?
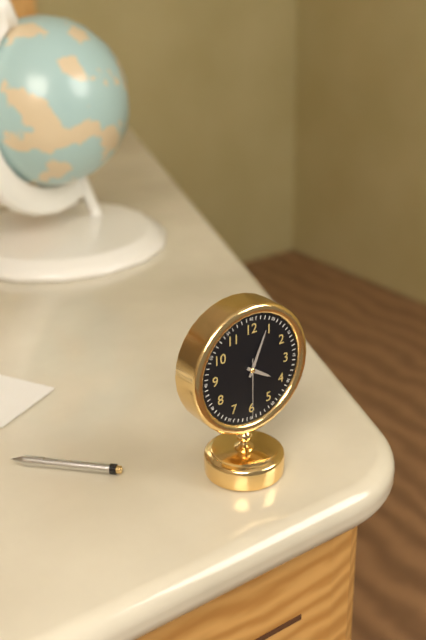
4,04,30
